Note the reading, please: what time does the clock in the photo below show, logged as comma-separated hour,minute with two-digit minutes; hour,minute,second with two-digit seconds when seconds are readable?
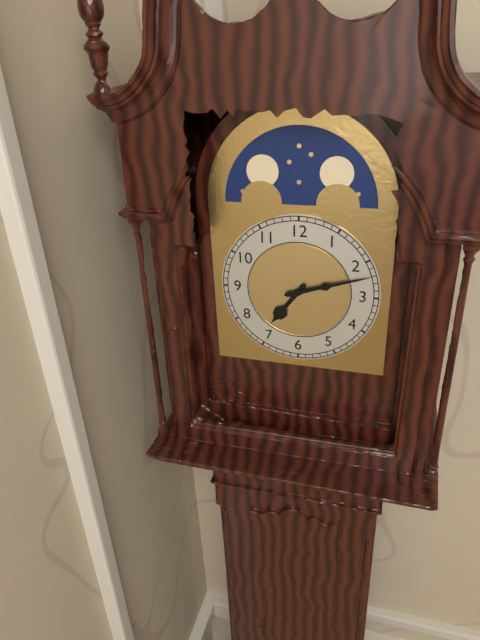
7,12
